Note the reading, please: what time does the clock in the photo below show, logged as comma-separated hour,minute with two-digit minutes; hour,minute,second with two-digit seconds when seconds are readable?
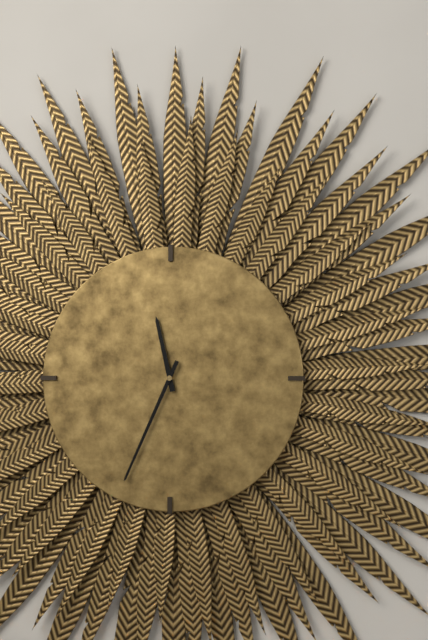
11,34
